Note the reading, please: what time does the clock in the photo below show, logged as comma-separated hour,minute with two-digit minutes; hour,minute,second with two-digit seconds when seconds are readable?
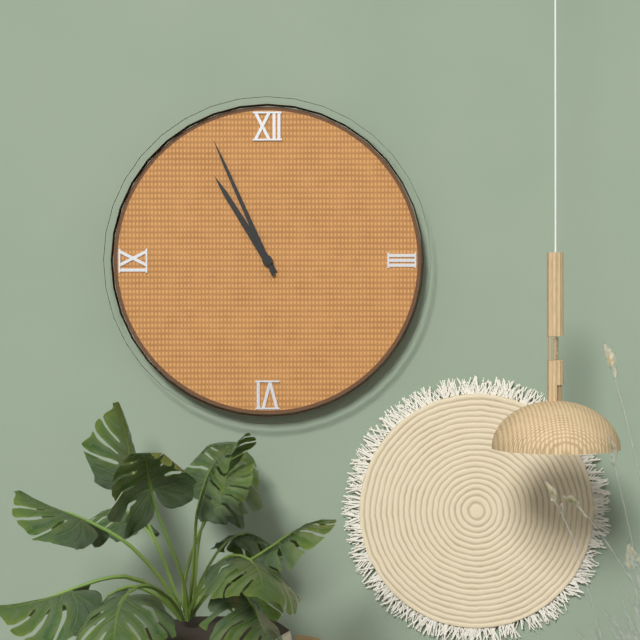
10,56
